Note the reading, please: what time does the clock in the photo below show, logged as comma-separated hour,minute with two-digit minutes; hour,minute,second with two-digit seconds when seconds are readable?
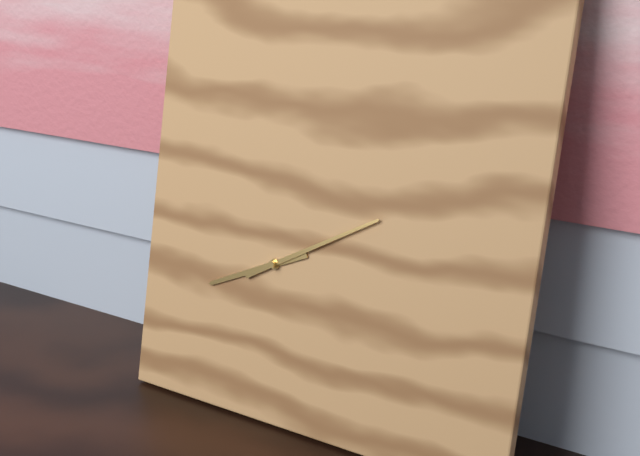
8,10
